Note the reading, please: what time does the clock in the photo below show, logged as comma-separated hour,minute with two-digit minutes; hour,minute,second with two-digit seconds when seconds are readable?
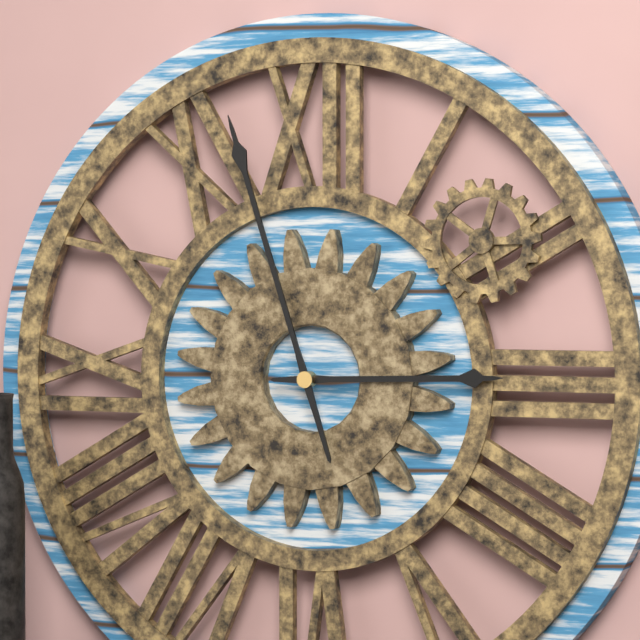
2,57
